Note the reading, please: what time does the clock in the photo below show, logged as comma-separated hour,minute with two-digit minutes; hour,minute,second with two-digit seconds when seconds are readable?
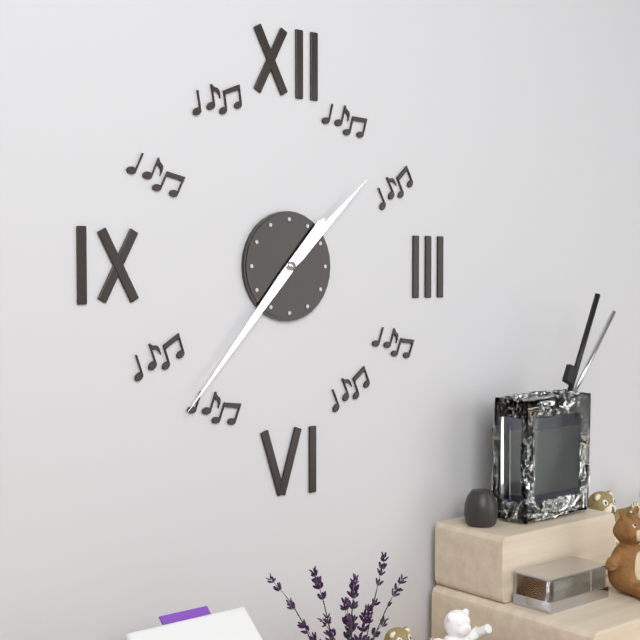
1,37
